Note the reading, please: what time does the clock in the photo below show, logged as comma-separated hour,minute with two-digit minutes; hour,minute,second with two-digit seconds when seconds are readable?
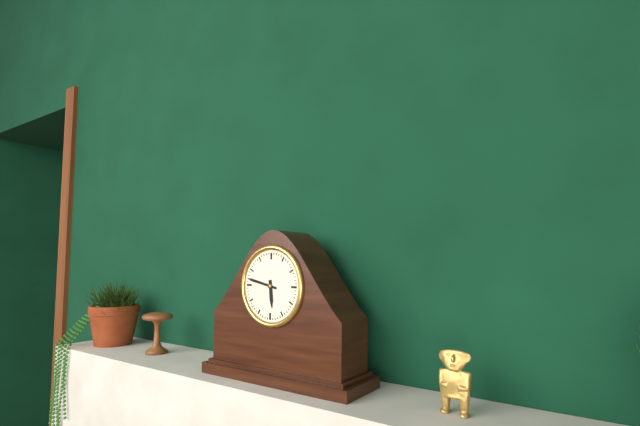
5,47
